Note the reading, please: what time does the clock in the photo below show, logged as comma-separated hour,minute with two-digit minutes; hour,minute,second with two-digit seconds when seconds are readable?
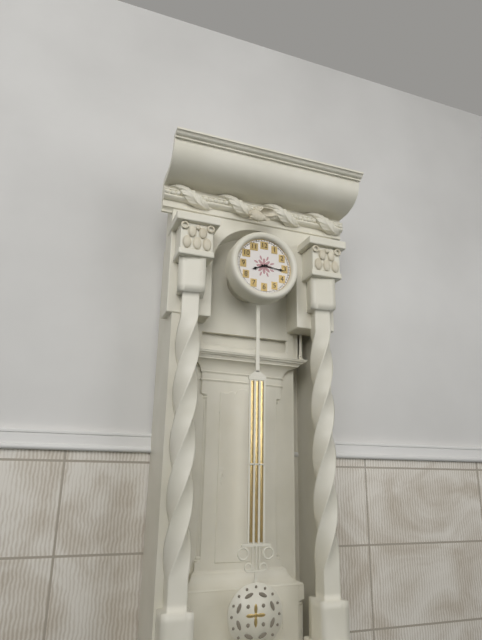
8,16
